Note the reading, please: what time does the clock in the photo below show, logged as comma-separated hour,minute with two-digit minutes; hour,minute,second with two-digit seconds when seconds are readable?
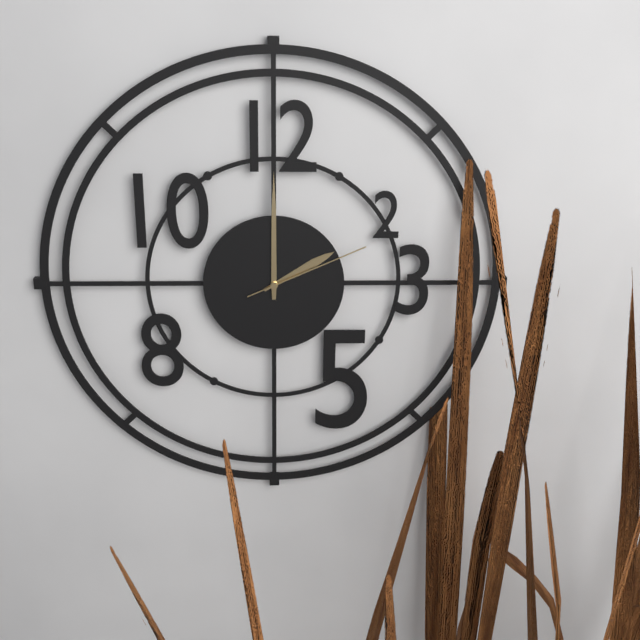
2,00,11
